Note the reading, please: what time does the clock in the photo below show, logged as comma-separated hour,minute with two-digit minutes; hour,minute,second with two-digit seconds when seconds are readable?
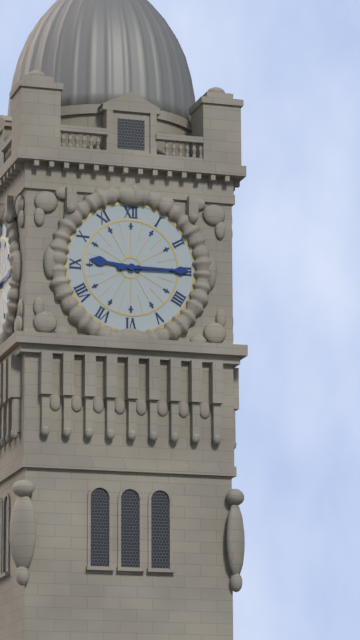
9,15
